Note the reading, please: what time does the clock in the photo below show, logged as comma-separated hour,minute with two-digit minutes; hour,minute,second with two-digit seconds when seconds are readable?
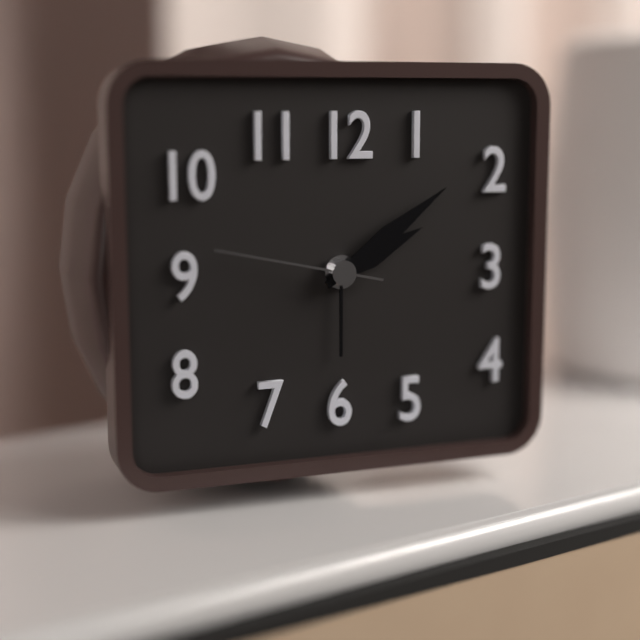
2,09,47
